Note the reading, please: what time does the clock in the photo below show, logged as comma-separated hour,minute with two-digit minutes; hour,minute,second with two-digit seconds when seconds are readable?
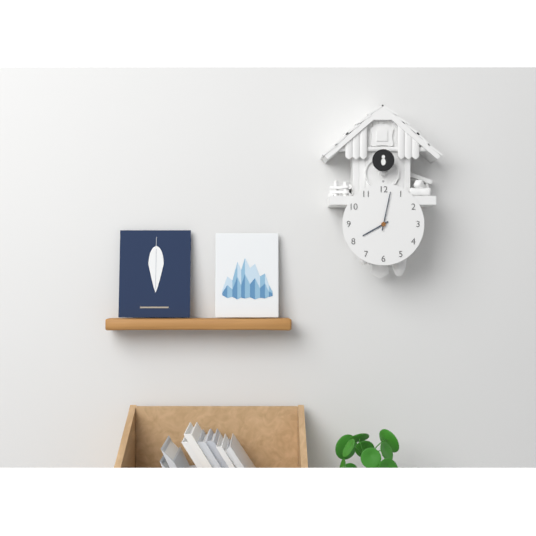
8,02
